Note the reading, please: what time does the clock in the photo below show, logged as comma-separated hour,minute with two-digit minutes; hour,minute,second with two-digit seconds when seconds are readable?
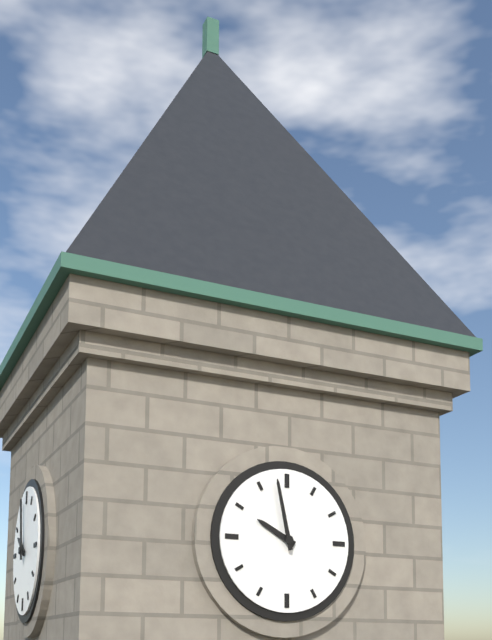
9,58
